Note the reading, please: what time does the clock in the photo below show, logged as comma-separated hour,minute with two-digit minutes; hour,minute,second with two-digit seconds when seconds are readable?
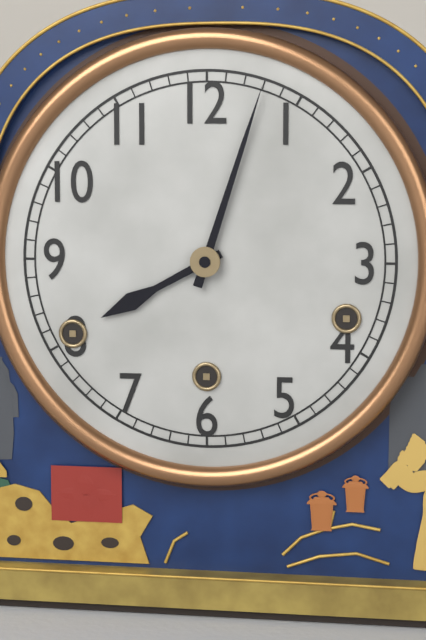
8,03
